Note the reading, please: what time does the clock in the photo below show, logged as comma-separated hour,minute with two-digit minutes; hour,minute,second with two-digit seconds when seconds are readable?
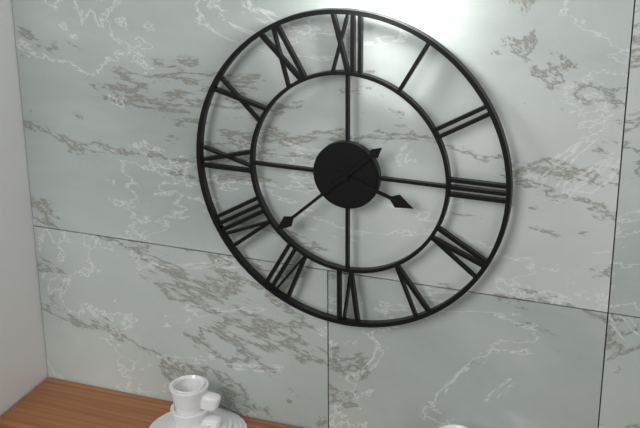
3,38
